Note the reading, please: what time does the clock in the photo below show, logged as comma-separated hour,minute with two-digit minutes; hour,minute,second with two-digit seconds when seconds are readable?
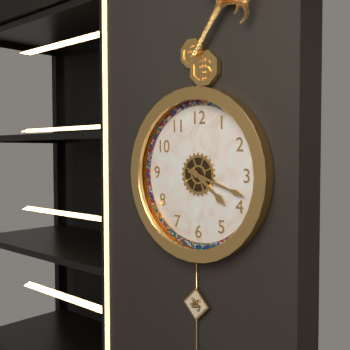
4,18
